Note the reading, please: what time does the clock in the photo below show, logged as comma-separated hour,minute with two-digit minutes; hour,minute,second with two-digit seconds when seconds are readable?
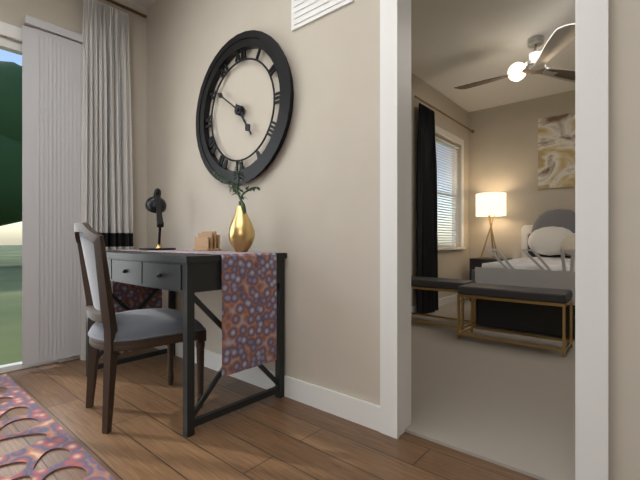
4,51
